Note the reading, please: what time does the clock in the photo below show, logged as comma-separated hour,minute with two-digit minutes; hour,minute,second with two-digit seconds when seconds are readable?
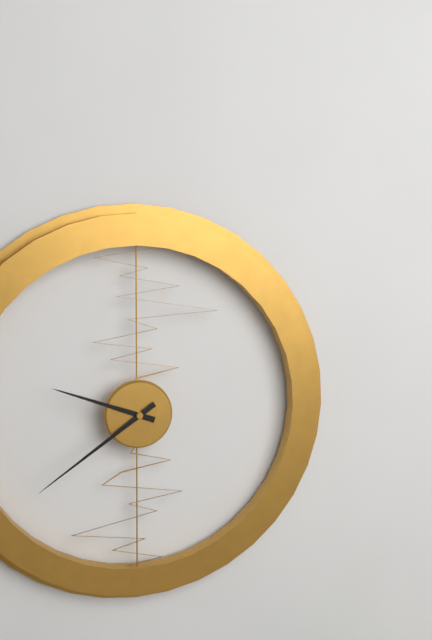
9,39
